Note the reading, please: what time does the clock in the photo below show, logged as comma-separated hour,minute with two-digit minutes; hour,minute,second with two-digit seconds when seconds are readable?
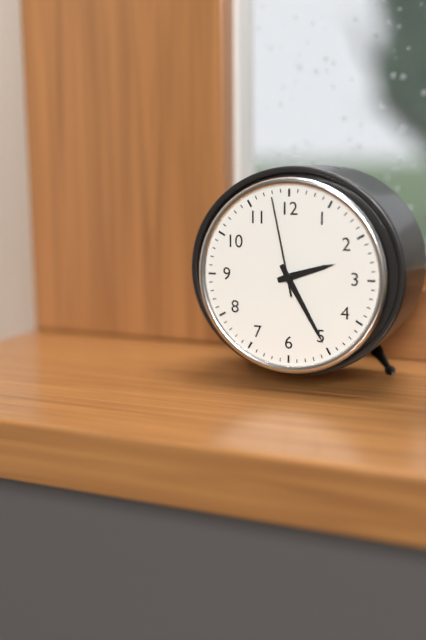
2,25,58
